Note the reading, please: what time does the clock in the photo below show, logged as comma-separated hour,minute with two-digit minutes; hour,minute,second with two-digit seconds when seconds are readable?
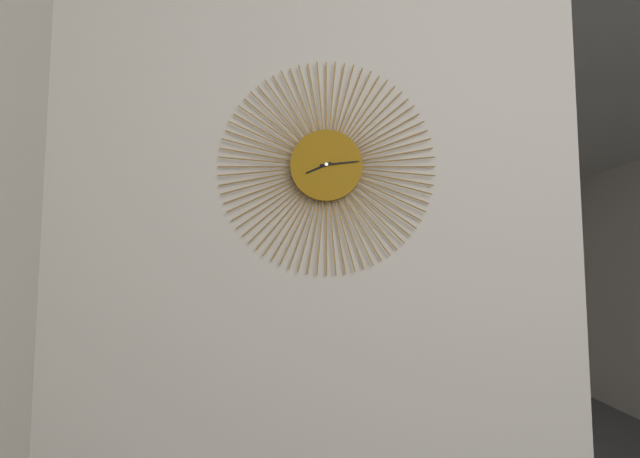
8,14
